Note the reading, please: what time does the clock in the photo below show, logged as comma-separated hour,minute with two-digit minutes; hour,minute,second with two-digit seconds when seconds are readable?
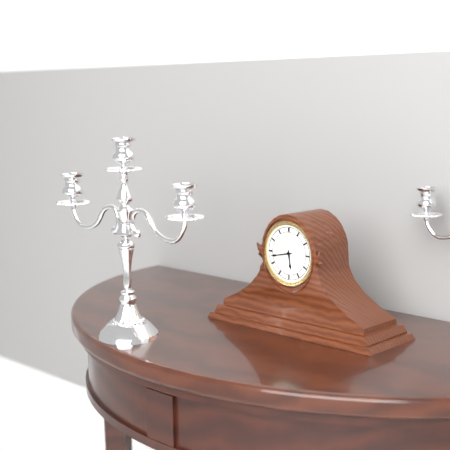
5,43
